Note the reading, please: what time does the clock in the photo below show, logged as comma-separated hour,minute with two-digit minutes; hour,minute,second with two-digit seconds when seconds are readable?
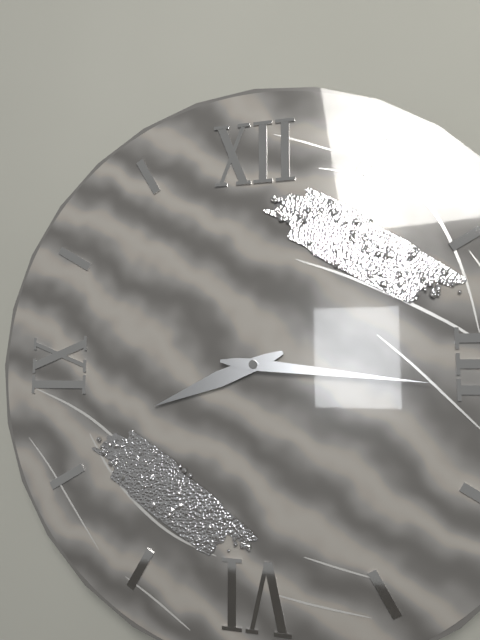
8,16
